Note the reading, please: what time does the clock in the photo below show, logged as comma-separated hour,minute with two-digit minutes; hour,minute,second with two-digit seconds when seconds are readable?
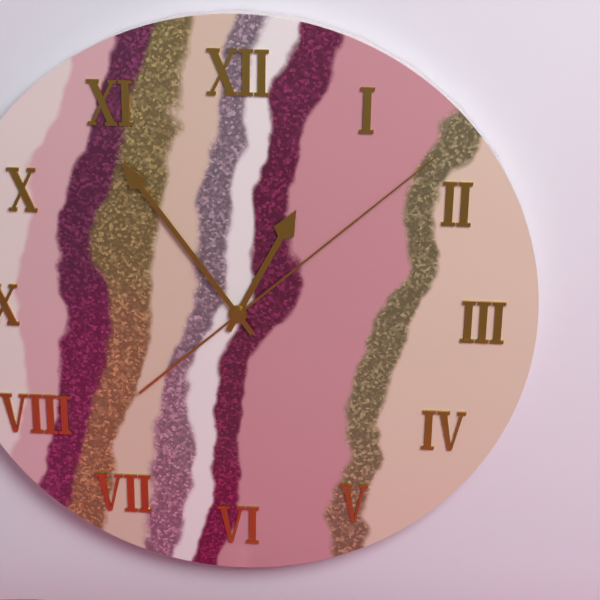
12,54,08
